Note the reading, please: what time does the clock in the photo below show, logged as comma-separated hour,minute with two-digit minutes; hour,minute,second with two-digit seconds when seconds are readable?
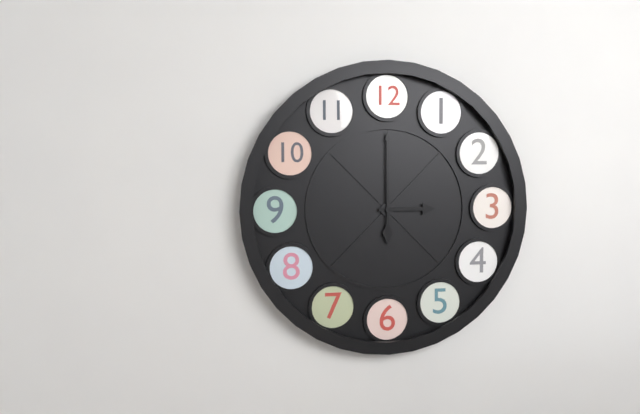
3,00
